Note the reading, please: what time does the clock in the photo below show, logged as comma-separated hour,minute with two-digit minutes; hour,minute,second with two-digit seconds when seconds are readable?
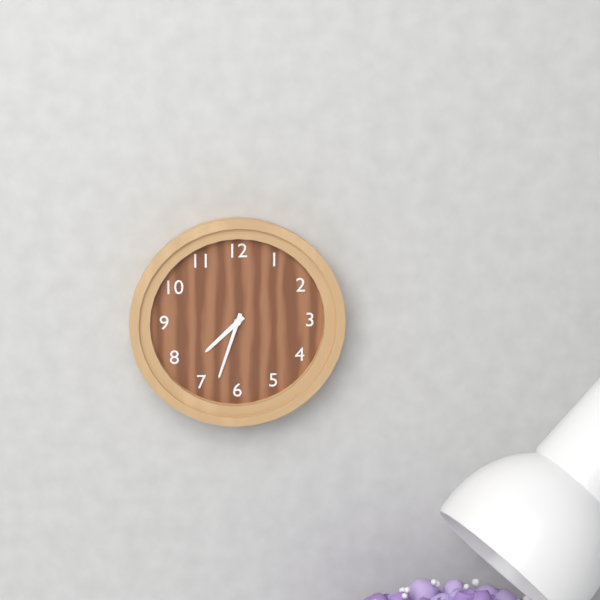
7,33
